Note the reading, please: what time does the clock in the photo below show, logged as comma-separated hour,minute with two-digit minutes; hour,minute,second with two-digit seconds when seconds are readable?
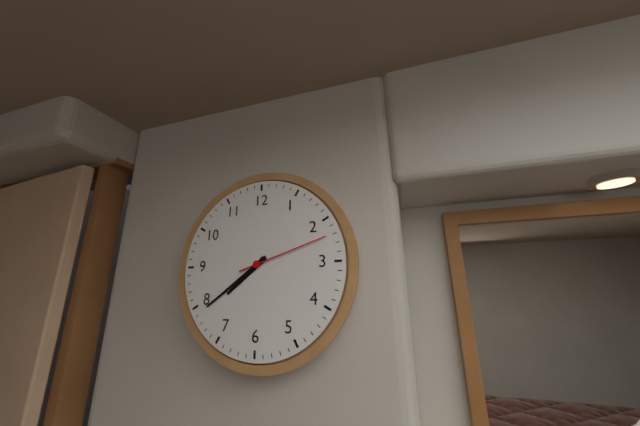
7,39,12
